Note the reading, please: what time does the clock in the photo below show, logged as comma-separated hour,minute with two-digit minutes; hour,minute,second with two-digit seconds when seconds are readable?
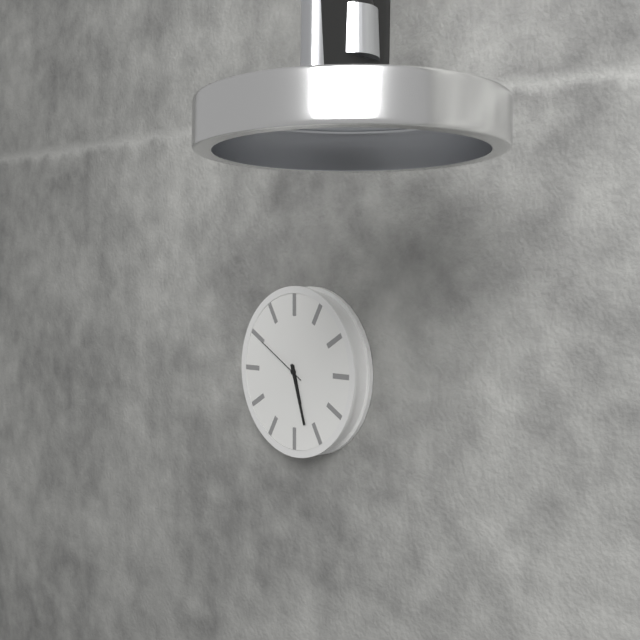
5,27,50
